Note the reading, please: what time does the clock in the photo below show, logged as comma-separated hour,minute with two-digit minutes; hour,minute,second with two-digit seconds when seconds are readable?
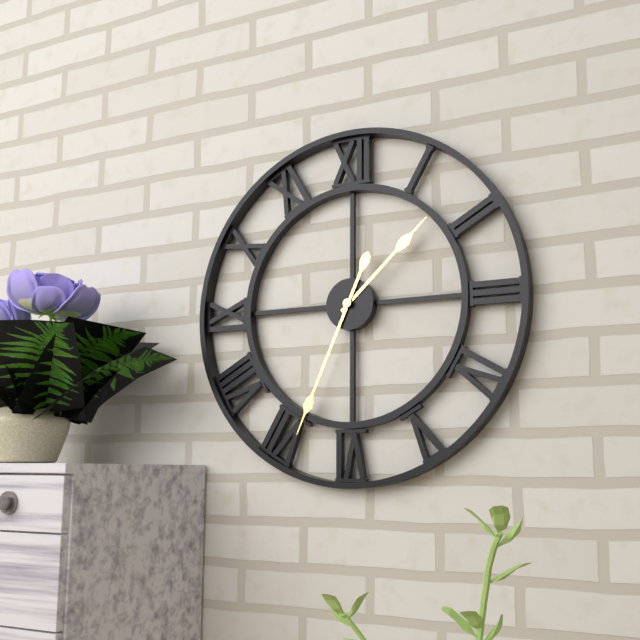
1,34
